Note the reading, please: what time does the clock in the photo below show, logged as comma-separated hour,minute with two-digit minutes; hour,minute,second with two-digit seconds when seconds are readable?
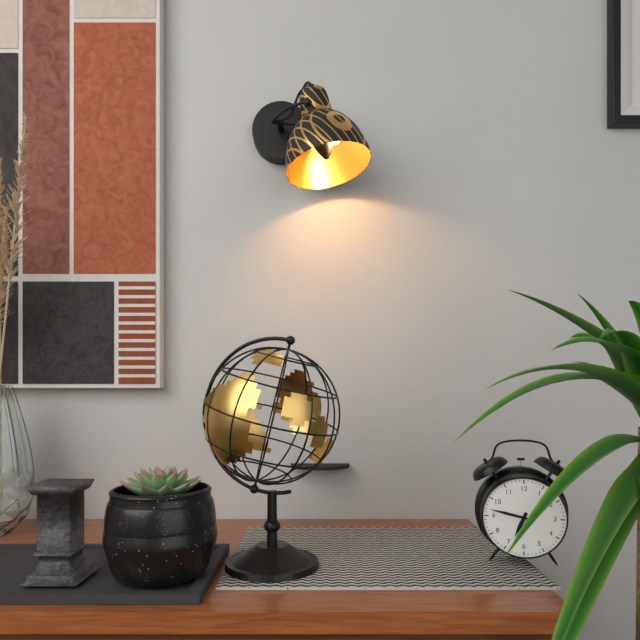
6,47
